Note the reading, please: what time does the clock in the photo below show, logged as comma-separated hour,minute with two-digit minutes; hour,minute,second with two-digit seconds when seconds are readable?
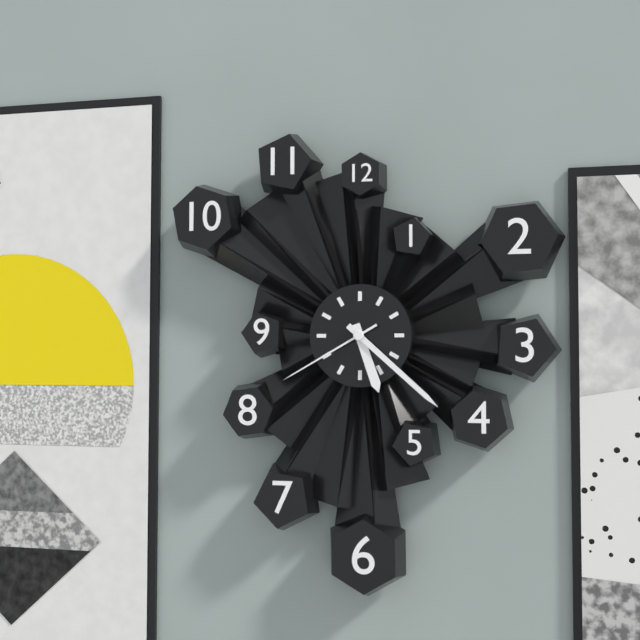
5,22,40
